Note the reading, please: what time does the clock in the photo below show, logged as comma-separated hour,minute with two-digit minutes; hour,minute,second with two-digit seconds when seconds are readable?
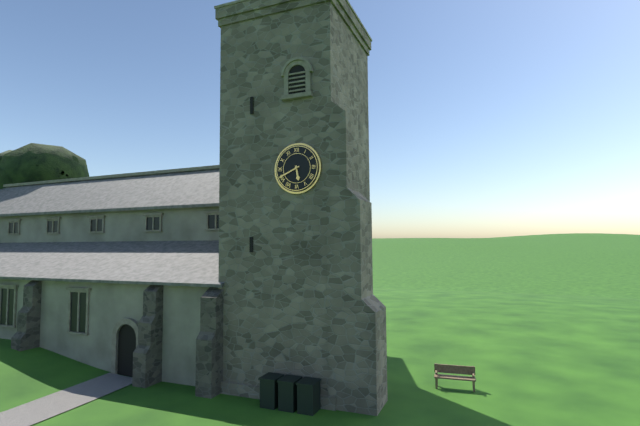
5,41
